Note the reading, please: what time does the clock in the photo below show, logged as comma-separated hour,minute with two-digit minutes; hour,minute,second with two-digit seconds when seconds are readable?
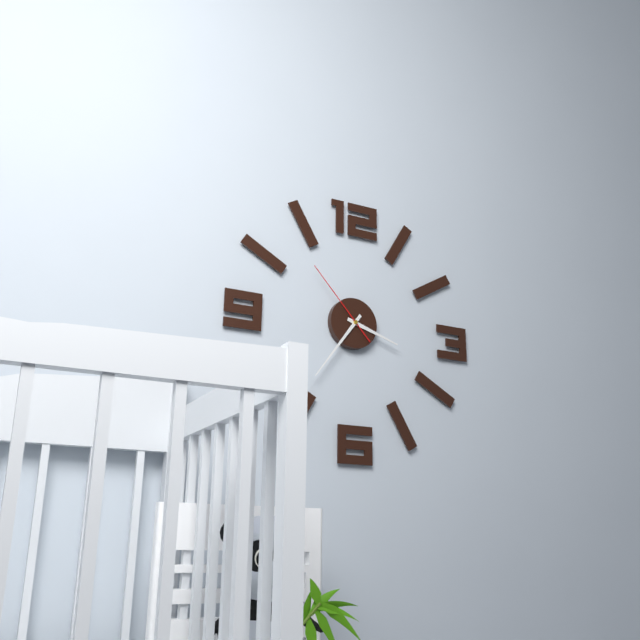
3,36,53
